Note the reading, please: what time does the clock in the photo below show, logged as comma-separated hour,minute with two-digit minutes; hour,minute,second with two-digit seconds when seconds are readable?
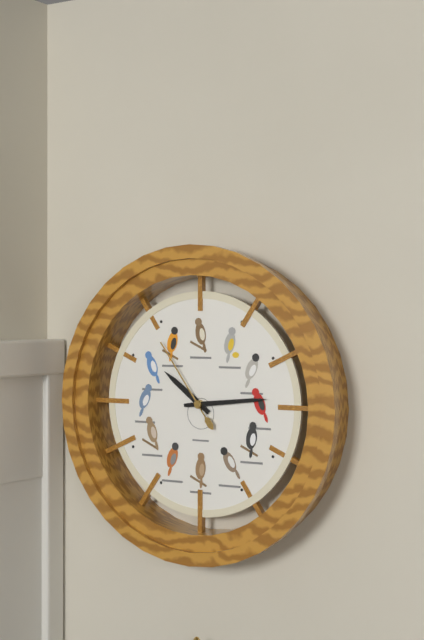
10,14,54
